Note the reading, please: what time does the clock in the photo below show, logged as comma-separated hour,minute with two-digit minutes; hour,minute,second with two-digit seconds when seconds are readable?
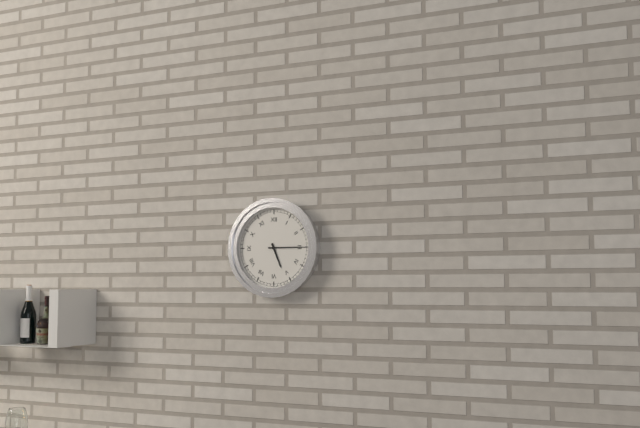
5,15
